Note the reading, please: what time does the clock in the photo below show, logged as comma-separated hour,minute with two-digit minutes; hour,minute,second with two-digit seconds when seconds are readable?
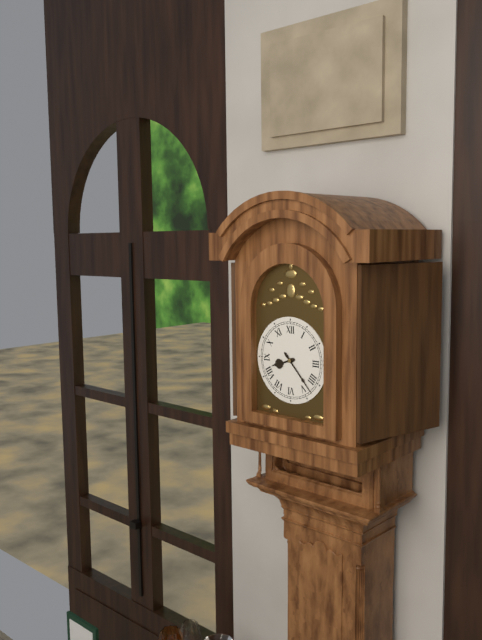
8,23
